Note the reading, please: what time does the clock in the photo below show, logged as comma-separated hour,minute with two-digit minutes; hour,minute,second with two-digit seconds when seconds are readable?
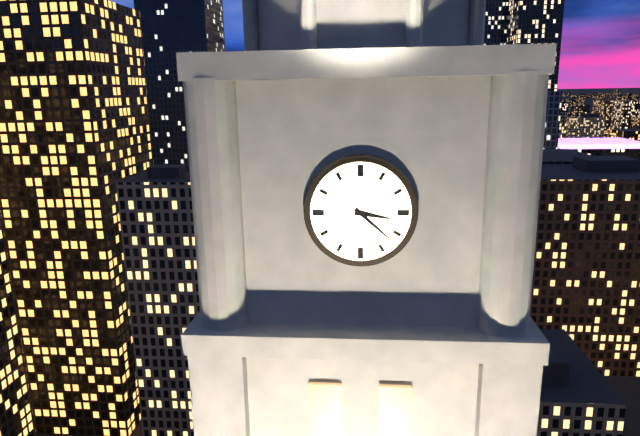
3,22
